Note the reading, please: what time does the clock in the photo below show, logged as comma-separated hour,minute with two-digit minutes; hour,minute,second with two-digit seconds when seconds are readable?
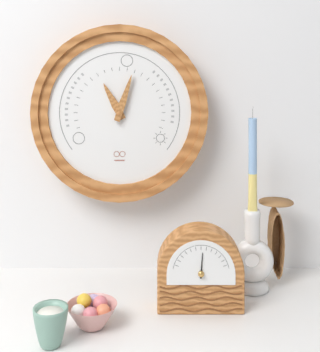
11,03
